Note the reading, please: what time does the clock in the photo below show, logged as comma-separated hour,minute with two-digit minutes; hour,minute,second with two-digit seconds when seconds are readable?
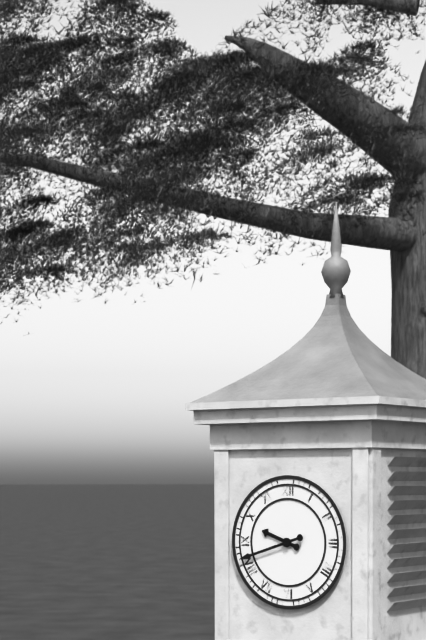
9,42
